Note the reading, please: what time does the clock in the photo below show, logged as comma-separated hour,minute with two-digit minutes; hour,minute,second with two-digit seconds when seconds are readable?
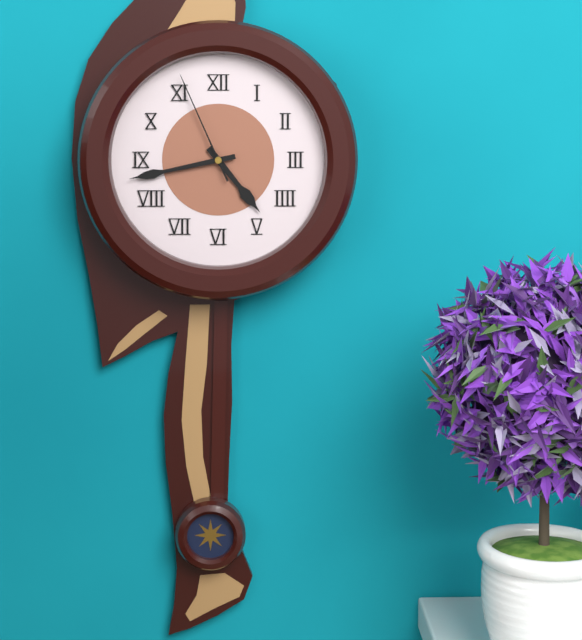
4,43,56
